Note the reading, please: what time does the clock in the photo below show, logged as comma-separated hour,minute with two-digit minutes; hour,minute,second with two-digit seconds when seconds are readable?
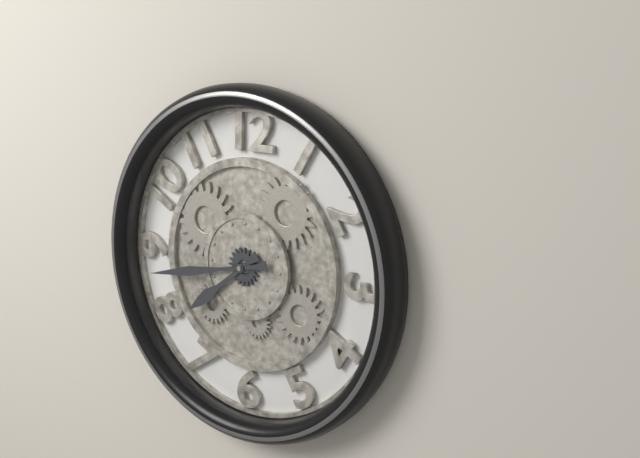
7,43
